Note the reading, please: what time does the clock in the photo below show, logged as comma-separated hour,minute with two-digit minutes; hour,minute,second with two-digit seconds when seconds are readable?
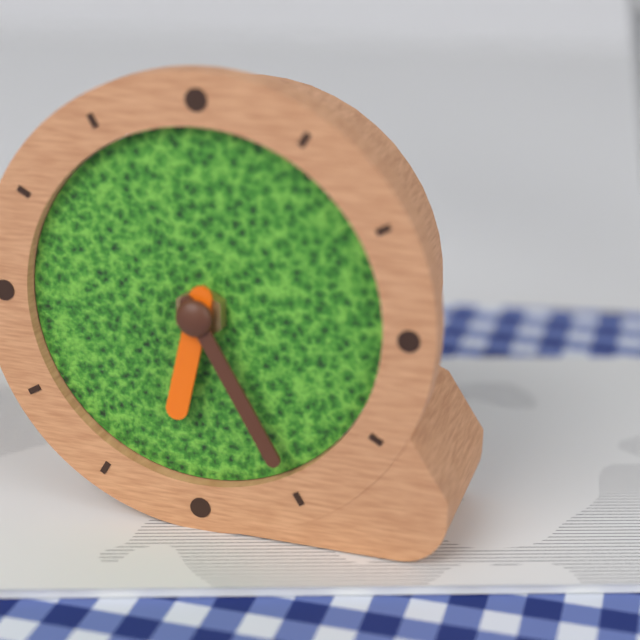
6,25
